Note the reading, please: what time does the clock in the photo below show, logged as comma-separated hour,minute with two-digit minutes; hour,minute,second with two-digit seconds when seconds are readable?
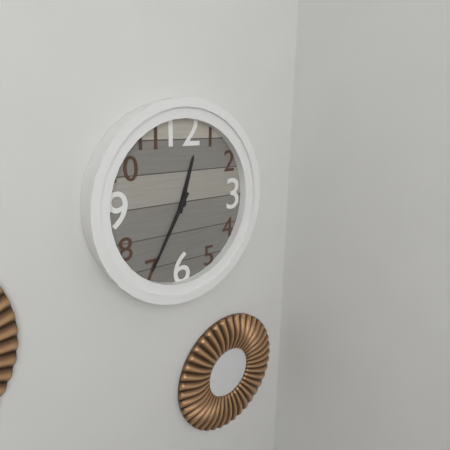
12,35
